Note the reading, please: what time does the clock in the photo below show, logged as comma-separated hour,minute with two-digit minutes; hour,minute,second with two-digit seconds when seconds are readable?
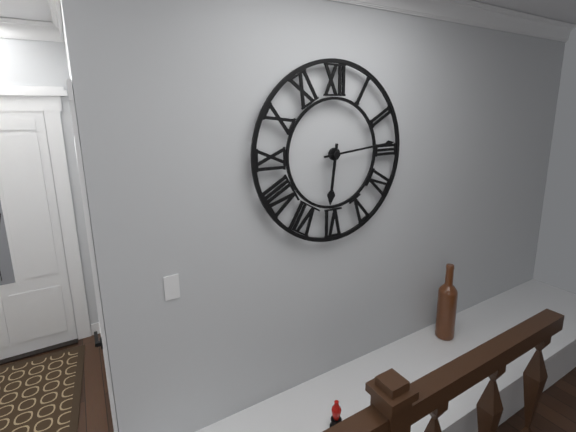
6,14
